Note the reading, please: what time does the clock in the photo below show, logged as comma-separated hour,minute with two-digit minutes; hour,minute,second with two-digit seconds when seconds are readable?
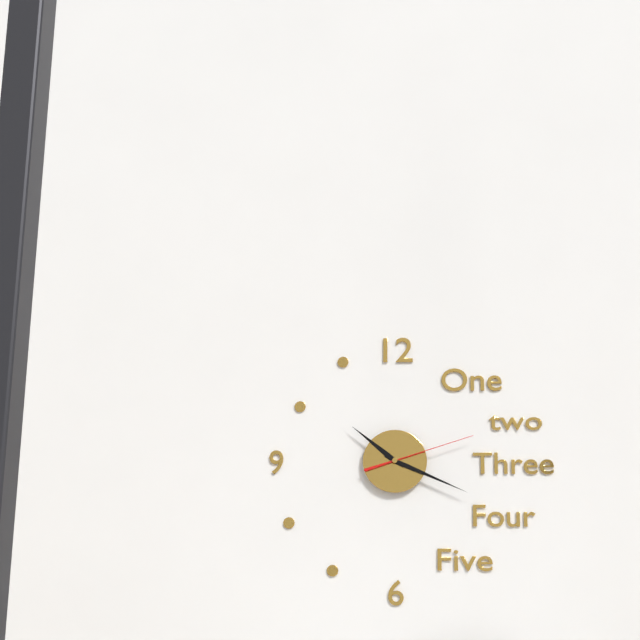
10,19,12
